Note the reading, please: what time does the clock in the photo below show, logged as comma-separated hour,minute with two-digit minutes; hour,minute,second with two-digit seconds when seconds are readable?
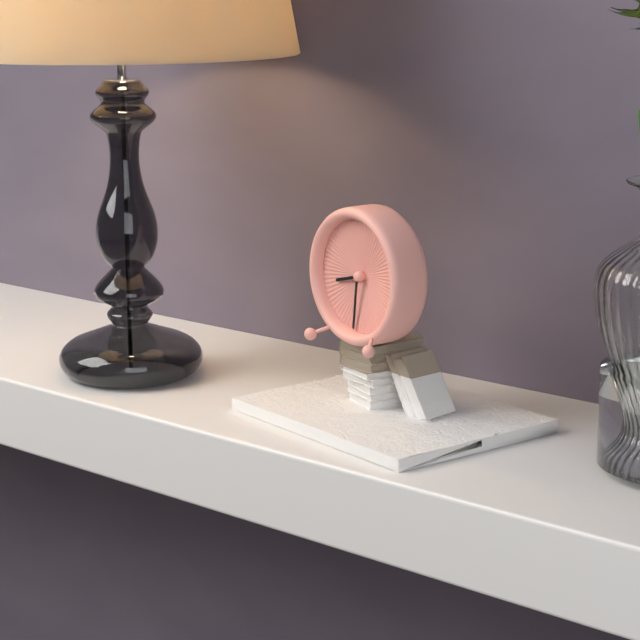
8,31
